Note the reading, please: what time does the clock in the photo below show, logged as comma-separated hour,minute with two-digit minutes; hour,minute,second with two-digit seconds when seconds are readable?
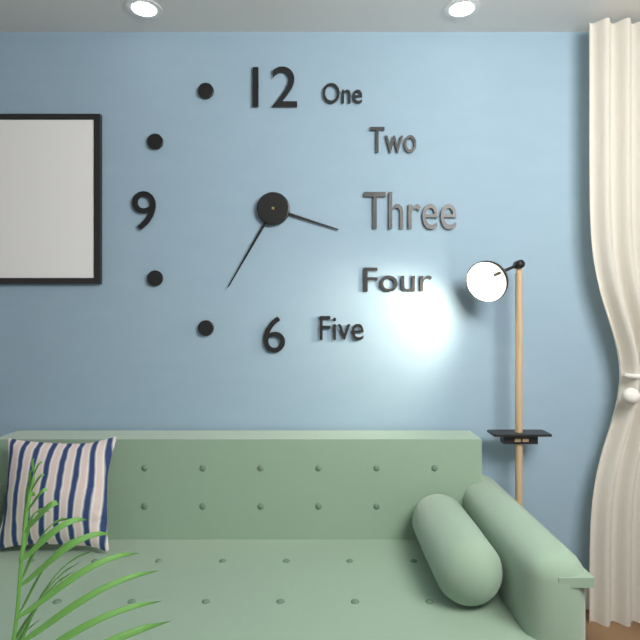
3,35
